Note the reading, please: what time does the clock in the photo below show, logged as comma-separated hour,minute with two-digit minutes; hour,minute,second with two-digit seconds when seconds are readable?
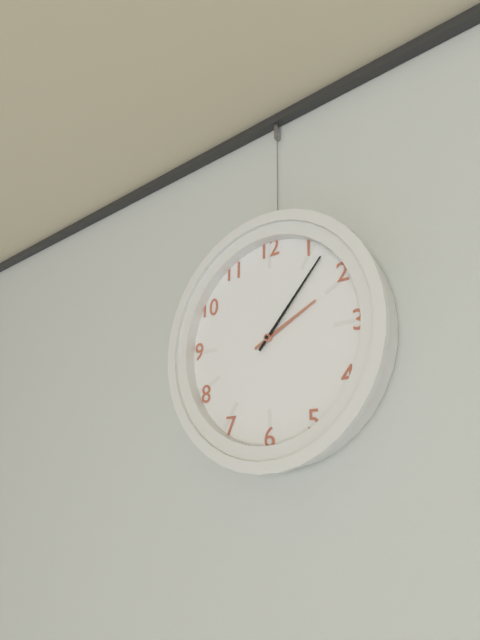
2,07
